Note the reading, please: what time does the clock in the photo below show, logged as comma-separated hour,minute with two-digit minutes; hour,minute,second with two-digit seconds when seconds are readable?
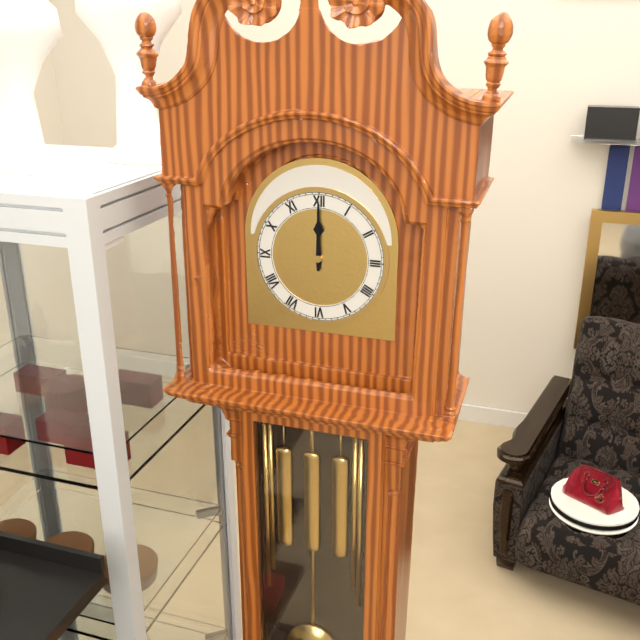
12,00
